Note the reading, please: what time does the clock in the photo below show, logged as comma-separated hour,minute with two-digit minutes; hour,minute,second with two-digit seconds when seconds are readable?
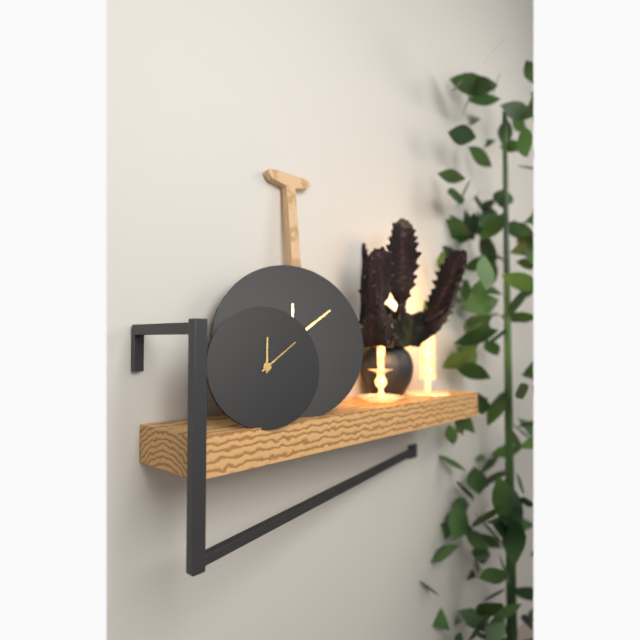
12,09
